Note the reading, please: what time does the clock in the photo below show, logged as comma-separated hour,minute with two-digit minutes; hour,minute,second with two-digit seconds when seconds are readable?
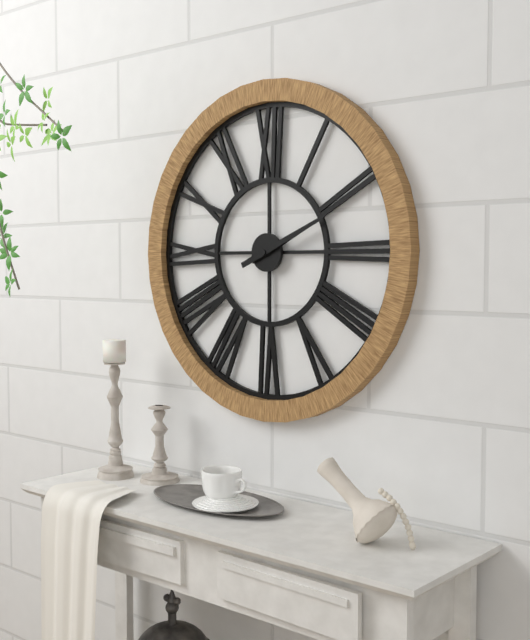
2,11
